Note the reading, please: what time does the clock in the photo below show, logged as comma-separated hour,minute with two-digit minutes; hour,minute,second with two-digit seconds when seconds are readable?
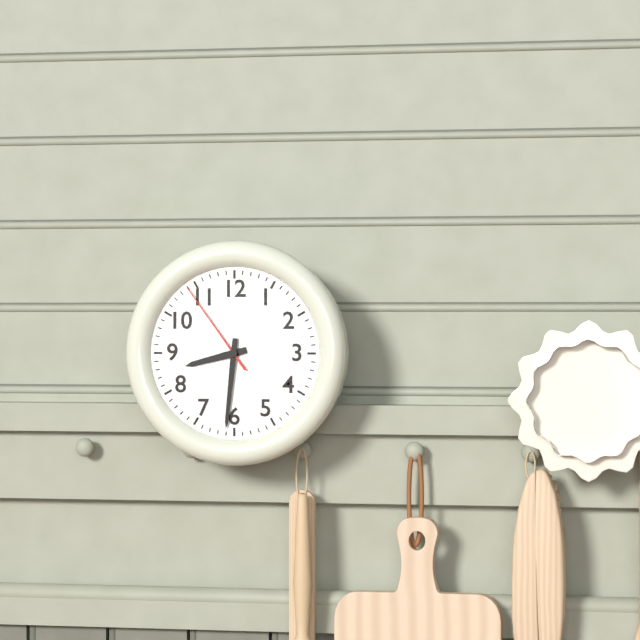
8,31,54
